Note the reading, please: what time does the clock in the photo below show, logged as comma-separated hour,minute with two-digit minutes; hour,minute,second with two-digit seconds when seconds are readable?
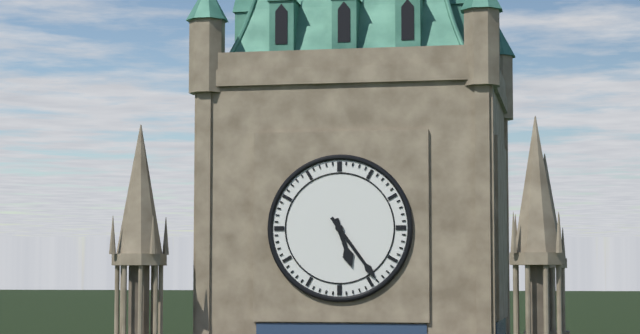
5,24
